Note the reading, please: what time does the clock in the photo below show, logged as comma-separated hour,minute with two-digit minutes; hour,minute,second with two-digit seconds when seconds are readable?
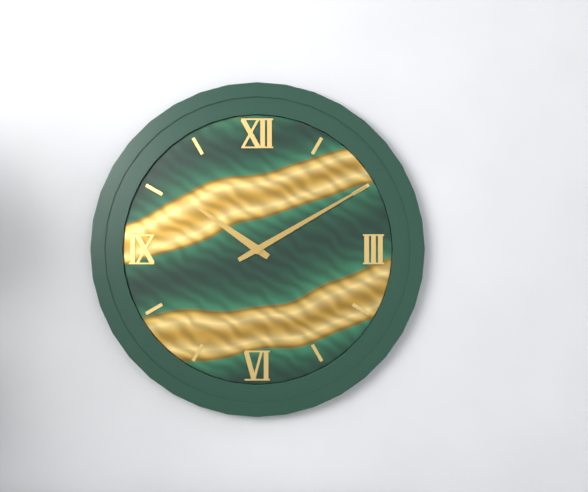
10,10
